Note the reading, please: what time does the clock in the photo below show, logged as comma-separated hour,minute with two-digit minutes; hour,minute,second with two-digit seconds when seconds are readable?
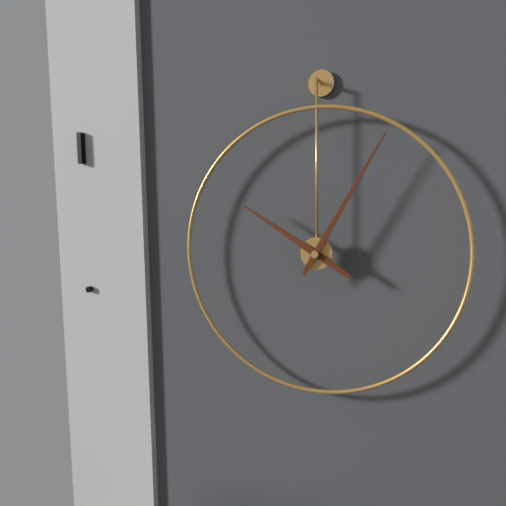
10,05
